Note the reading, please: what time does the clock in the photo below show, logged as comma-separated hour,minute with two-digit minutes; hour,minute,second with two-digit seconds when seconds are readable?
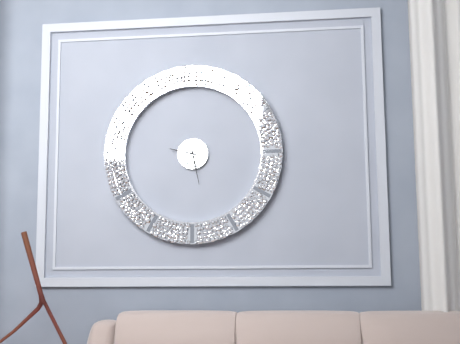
9,28
